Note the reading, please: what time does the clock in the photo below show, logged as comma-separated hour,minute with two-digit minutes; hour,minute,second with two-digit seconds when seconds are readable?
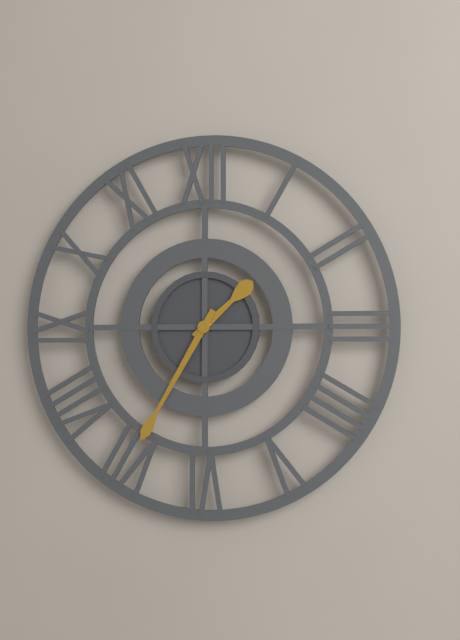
1,35
